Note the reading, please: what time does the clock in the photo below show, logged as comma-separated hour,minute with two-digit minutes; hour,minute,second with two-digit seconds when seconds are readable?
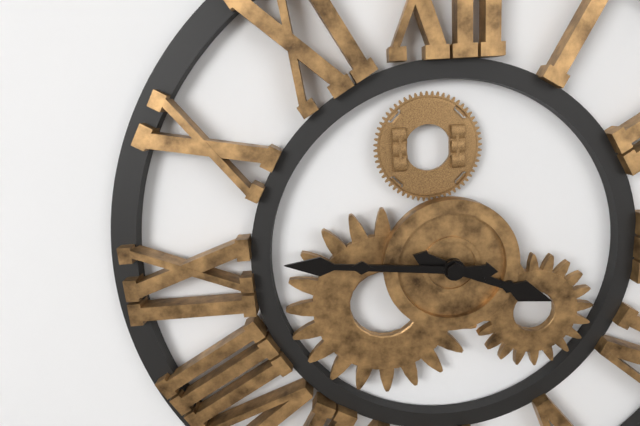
3,46
